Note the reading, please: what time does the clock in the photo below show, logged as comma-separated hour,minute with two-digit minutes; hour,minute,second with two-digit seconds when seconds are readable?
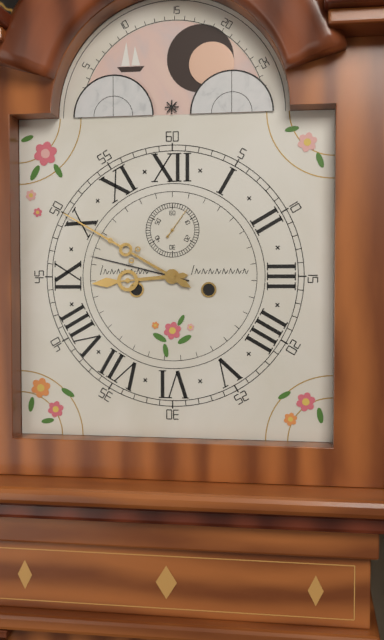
8,50
